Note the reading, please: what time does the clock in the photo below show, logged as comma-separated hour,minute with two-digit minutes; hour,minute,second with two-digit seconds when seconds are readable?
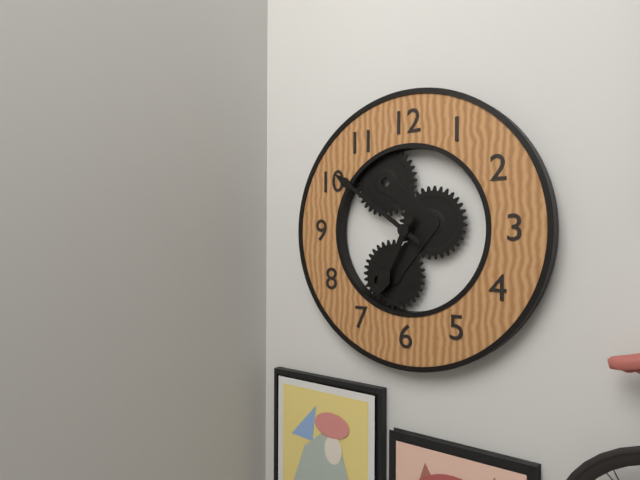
6,51
